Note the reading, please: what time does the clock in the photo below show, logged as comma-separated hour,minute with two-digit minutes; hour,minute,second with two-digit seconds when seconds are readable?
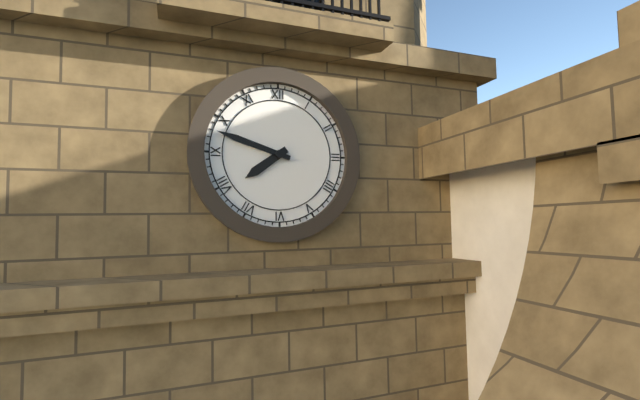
7,48
